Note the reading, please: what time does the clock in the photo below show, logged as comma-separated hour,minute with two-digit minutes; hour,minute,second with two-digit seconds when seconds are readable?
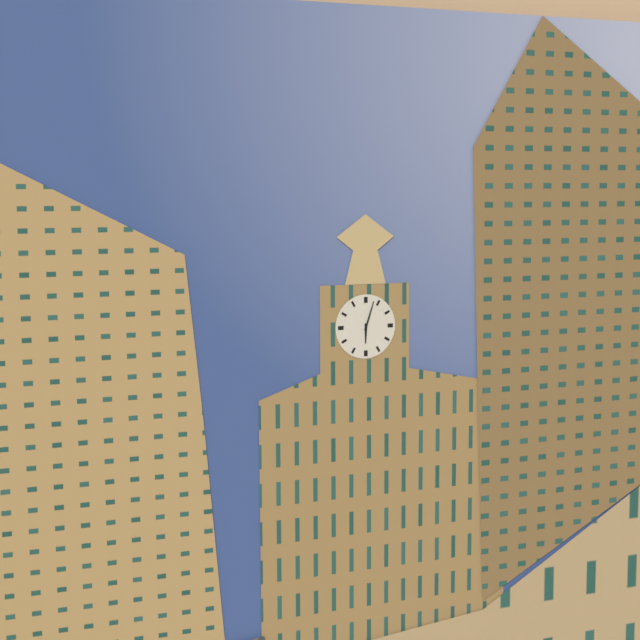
6,03
